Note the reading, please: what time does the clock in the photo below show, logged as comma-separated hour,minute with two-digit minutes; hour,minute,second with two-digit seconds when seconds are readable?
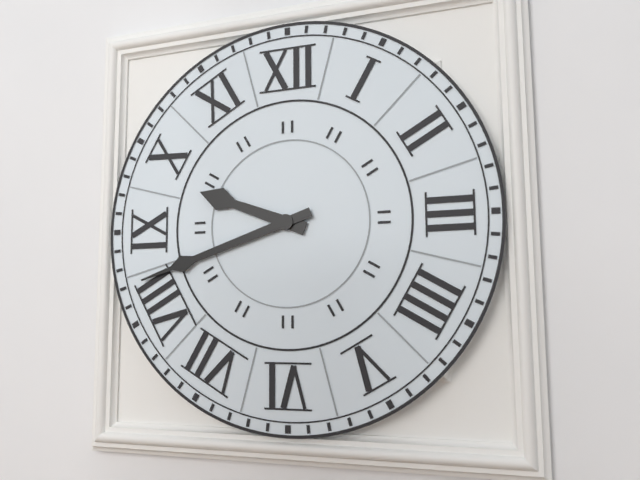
9,42
